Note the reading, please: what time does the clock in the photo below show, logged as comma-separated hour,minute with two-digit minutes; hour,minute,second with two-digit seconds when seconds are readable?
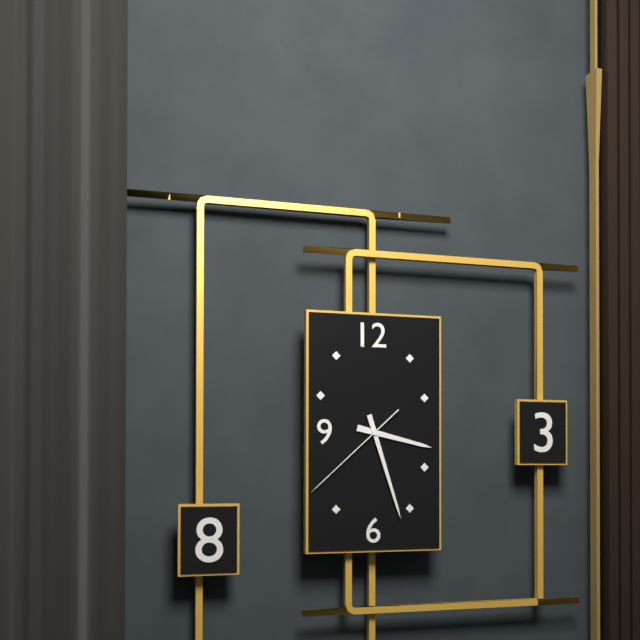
3,27,38
